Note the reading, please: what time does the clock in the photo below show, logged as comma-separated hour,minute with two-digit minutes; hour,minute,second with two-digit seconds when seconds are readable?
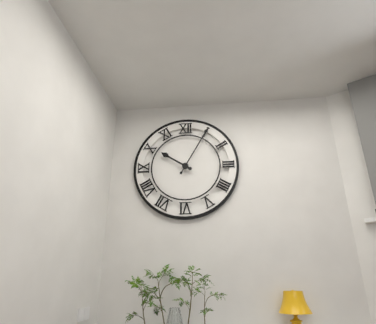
10,05
